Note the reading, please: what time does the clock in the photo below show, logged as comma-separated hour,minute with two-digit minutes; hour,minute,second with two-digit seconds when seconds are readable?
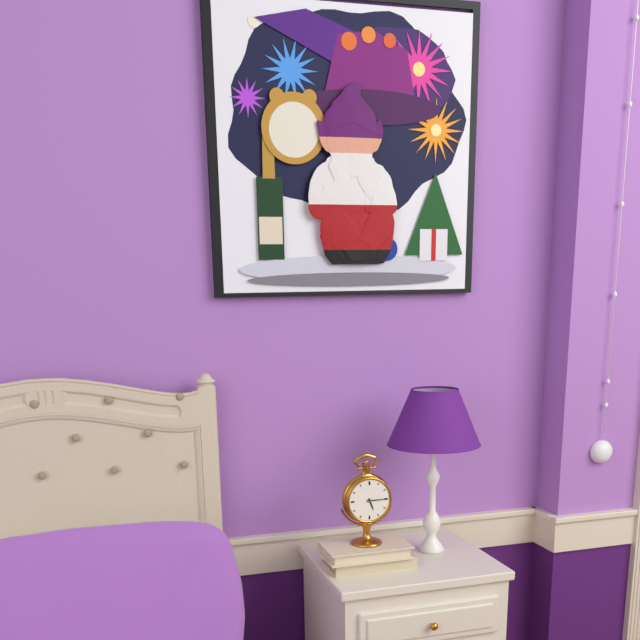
5,15
